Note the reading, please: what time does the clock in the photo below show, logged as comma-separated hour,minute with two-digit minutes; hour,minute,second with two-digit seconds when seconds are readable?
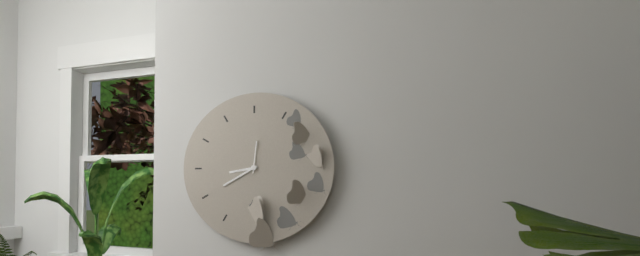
8,40
